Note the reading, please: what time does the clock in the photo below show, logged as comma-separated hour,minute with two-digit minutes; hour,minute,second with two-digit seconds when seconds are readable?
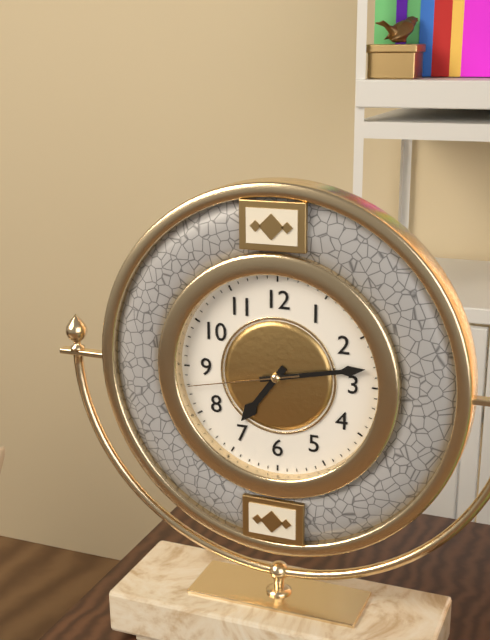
7,13,43
